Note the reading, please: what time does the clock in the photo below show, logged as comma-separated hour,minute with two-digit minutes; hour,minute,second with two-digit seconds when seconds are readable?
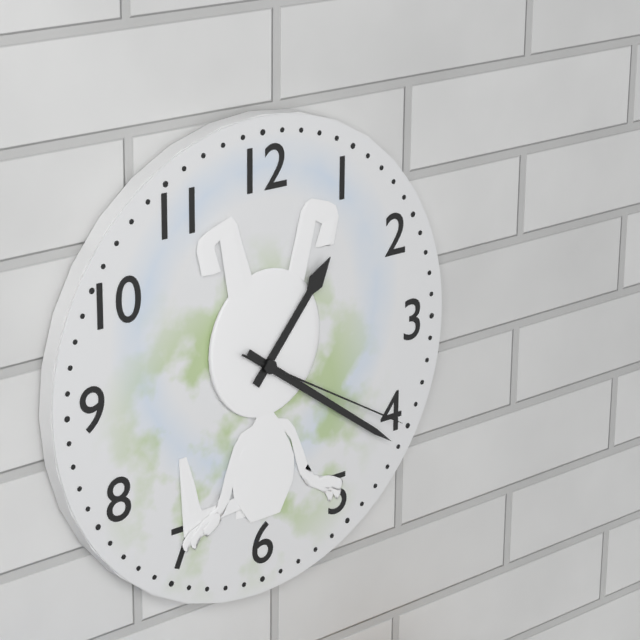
1,21,20
